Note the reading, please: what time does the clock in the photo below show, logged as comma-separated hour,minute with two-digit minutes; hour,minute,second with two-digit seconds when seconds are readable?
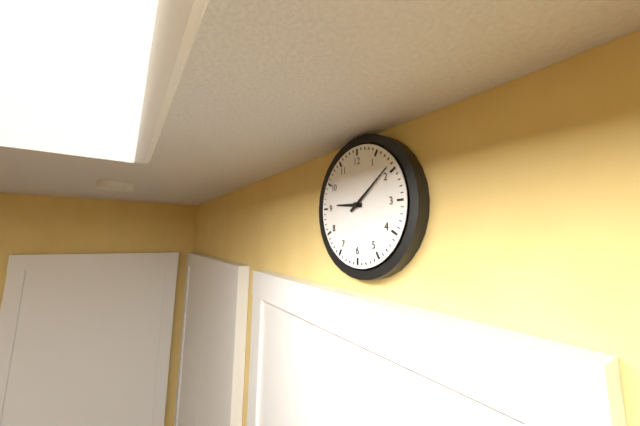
9,09
